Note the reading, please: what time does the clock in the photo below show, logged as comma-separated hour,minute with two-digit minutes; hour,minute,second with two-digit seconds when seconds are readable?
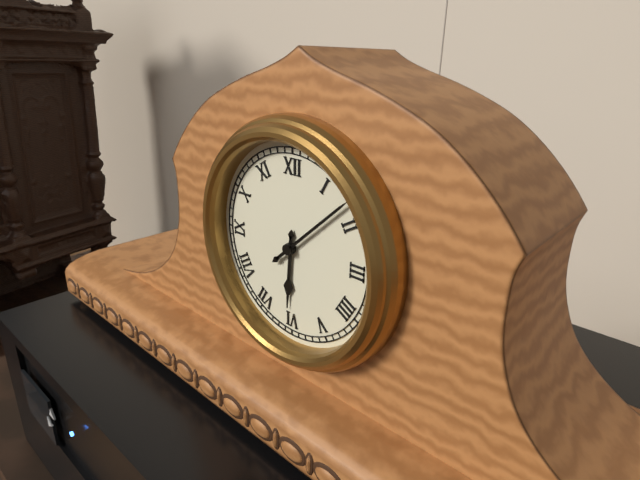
6,08
